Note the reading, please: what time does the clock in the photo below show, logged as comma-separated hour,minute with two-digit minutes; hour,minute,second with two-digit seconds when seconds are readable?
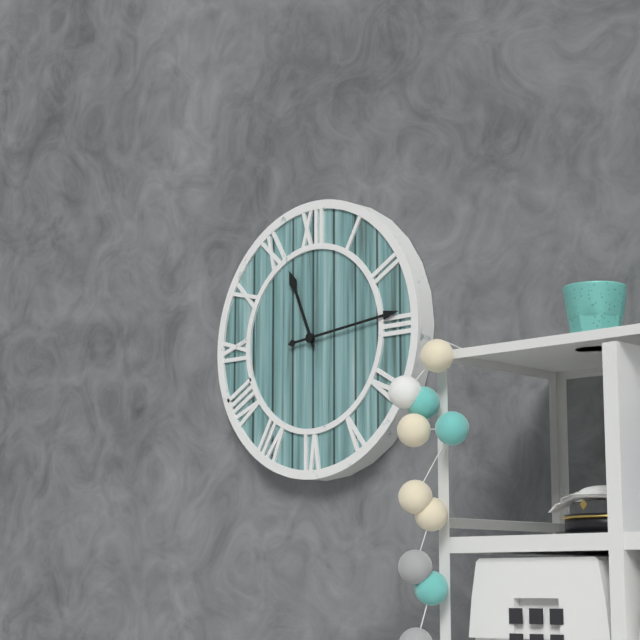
11,14
